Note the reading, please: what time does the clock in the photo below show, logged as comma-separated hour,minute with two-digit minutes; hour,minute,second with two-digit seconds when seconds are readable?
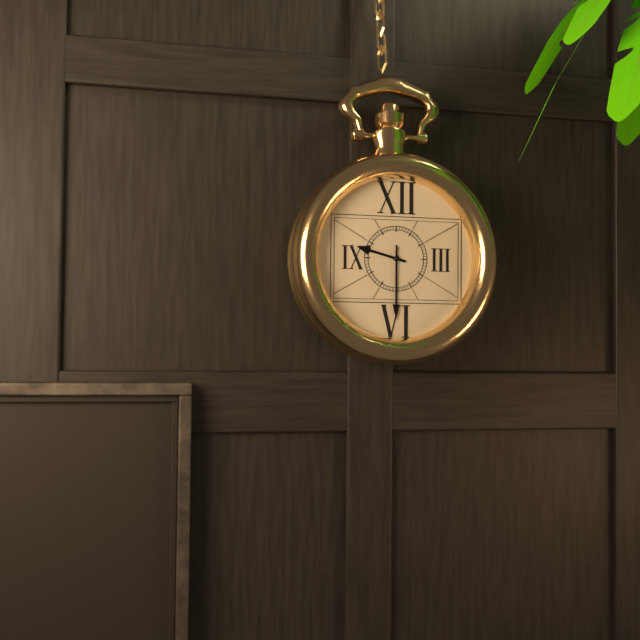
9,30
